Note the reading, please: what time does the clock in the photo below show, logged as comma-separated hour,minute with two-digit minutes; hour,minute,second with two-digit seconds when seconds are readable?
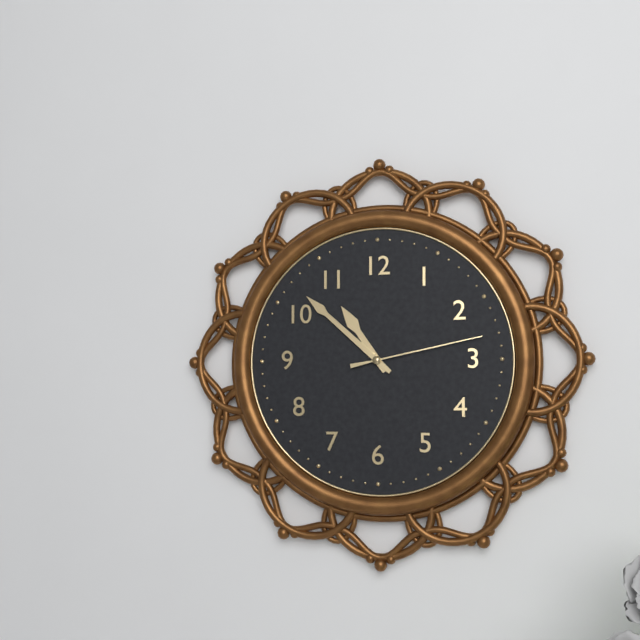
10,52,13
